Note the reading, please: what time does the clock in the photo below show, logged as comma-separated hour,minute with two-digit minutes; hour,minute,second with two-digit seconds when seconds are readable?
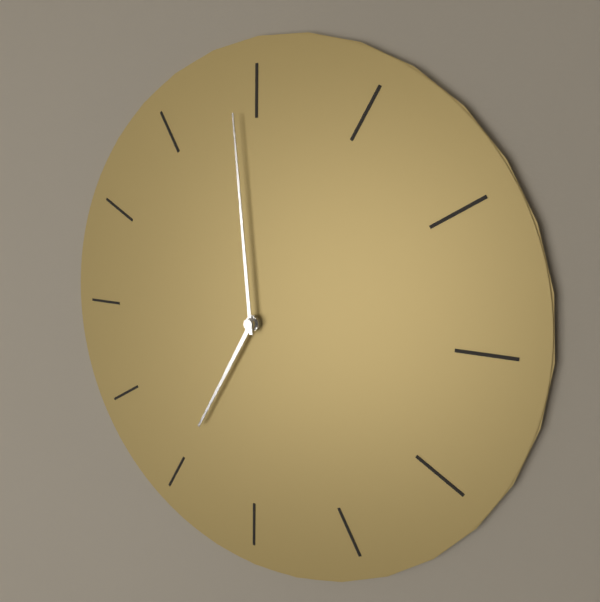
6,59
